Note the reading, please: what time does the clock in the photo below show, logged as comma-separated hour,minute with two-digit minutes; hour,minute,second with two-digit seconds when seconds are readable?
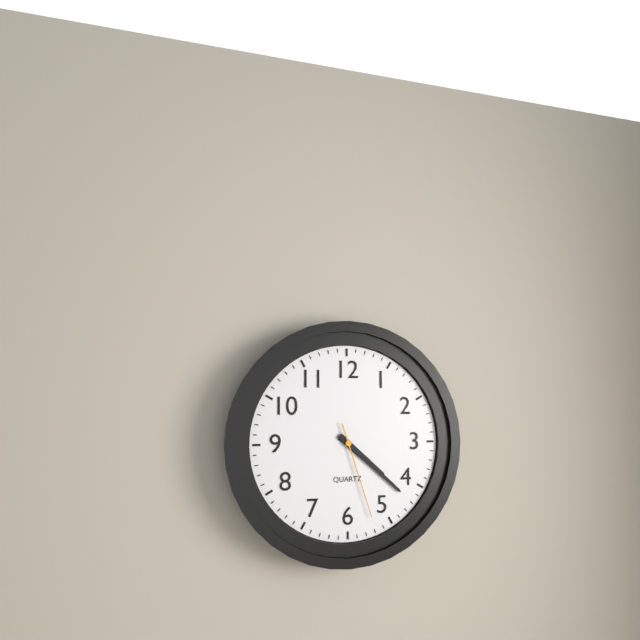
4,22,27
